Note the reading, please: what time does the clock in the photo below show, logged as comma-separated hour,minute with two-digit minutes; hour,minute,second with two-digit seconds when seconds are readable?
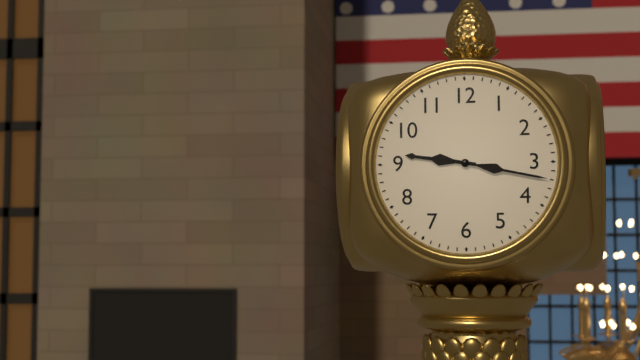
9,17
